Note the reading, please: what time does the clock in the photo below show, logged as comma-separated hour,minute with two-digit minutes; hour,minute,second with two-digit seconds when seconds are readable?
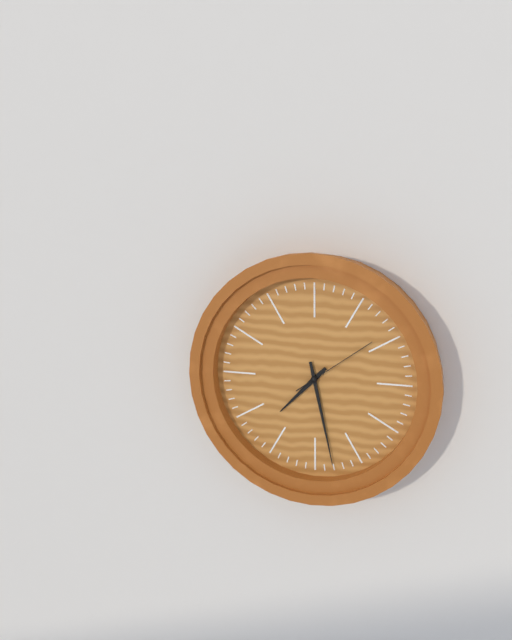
7,28,09
